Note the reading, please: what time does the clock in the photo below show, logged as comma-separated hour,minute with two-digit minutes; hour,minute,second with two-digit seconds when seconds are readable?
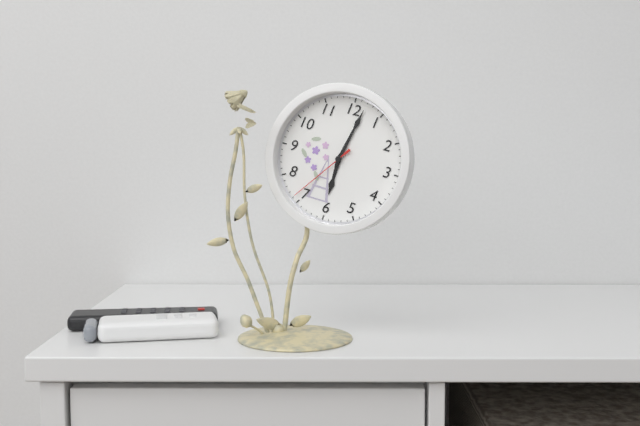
6,02,36
